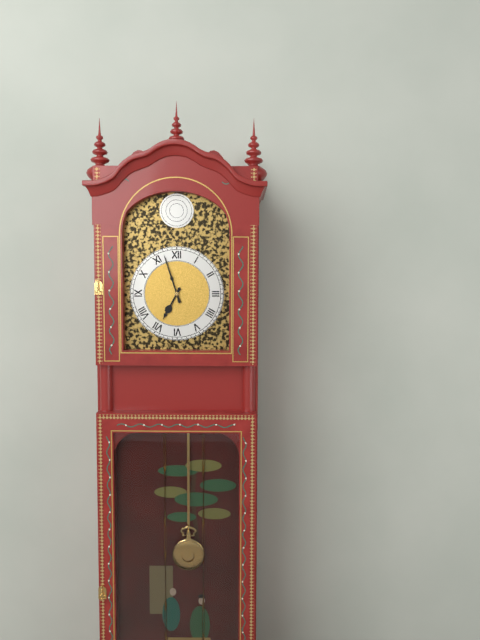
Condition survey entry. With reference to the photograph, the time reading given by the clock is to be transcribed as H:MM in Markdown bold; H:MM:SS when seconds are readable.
**6:57**
